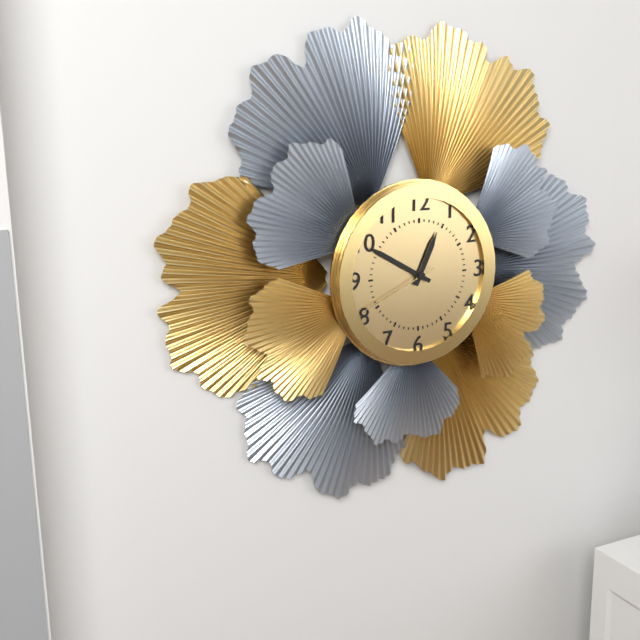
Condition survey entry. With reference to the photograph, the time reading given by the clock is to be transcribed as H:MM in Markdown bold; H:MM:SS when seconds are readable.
**12:50:41**
